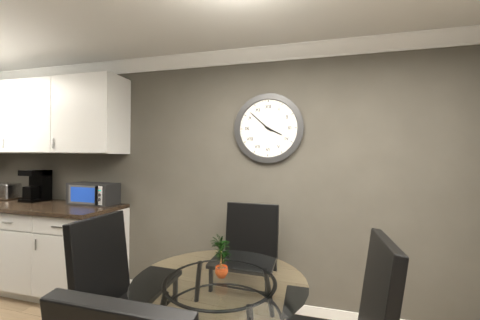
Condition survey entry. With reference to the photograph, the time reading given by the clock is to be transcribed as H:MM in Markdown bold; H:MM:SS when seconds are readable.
**3:52**
